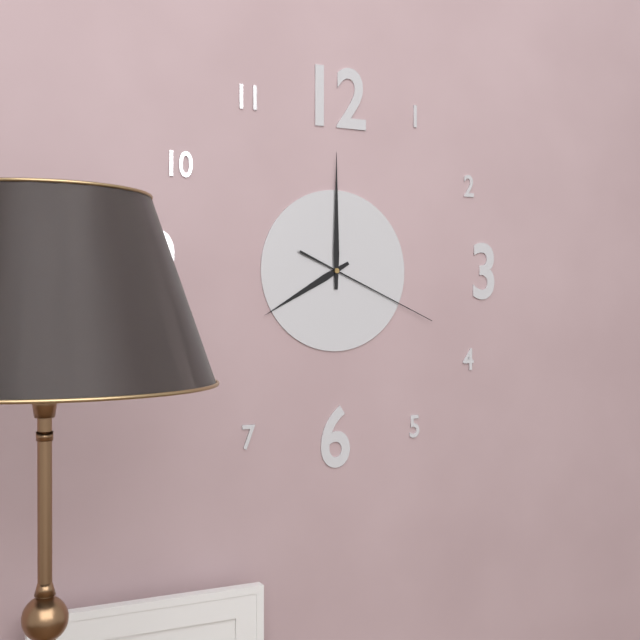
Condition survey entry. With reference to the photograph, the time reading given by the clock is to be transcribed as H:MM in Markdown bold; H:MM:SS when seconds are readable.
**8:00:19**
